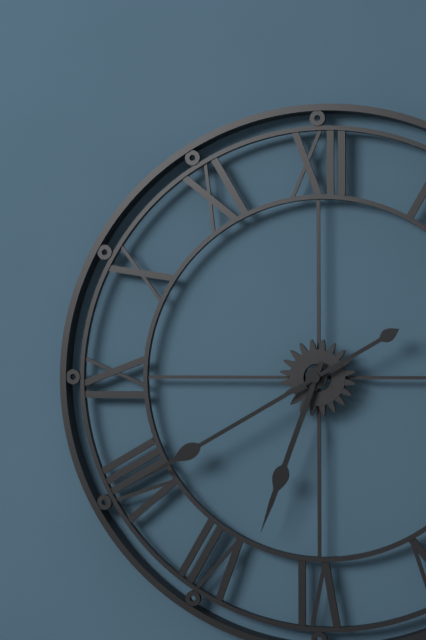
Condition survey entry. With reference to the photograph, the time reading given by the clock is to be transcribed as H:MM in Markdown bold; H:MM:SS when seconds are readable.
**6:40**
